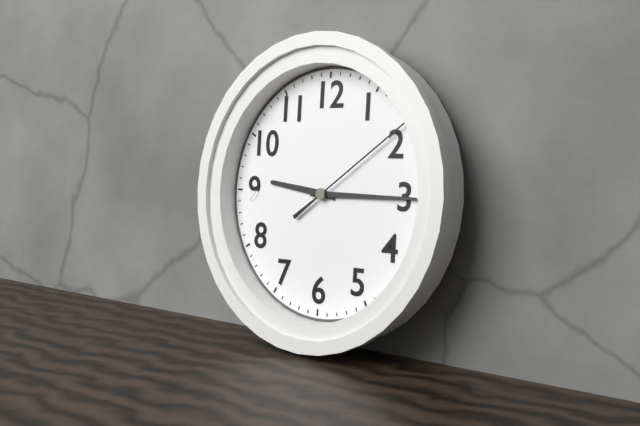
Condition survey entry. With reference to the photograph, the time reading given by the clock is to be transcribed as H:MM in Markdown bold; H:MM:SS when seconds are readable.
**9:15:09**
